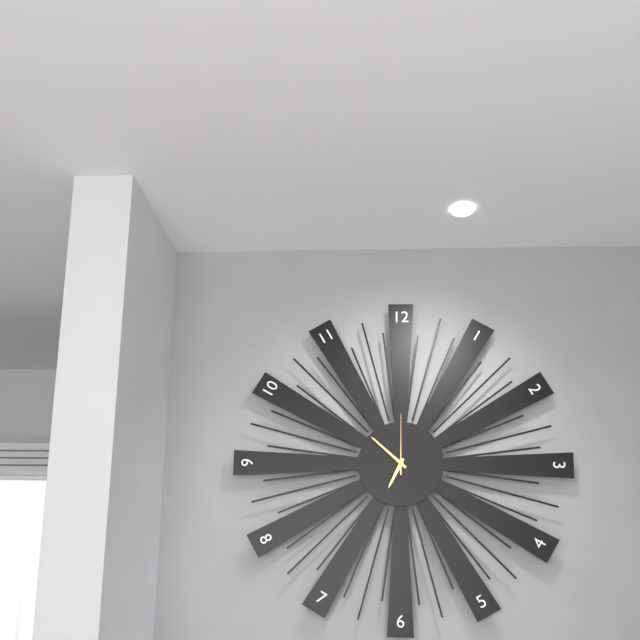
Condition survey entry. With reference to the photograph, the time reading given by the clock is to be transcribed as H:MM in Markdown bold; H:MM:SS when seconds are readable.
**6:52:00**
